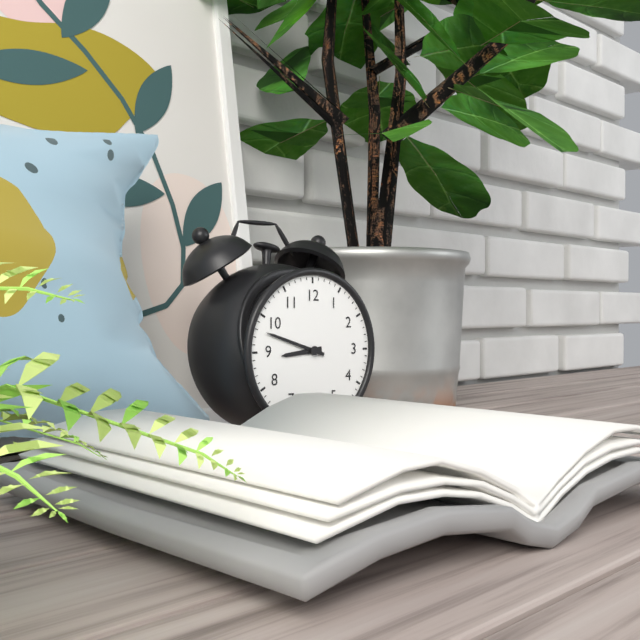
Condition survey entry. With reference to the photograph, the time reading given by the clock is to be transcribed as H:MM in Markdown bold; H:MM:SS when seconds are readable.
**8:48**
